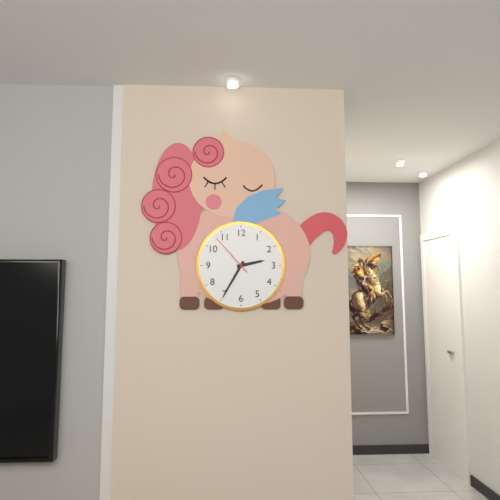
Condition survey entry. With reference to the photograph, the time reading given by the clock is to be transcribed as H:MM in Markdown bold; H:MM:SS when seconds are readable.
**2:35**
